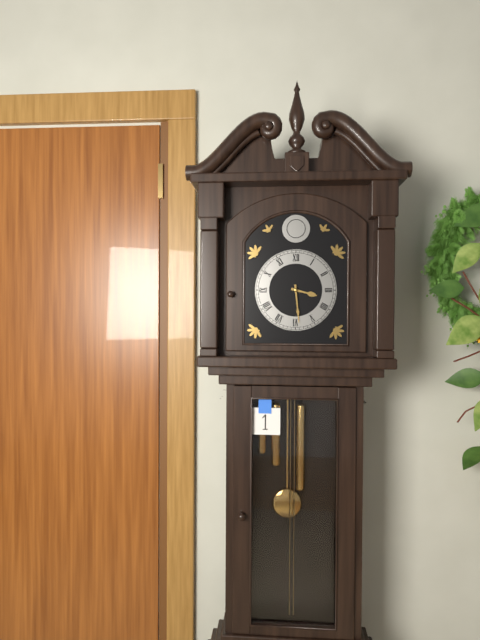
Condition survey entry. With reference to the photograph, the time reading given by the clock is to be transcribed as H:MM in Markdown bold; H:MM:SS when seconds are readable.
**3:29**
